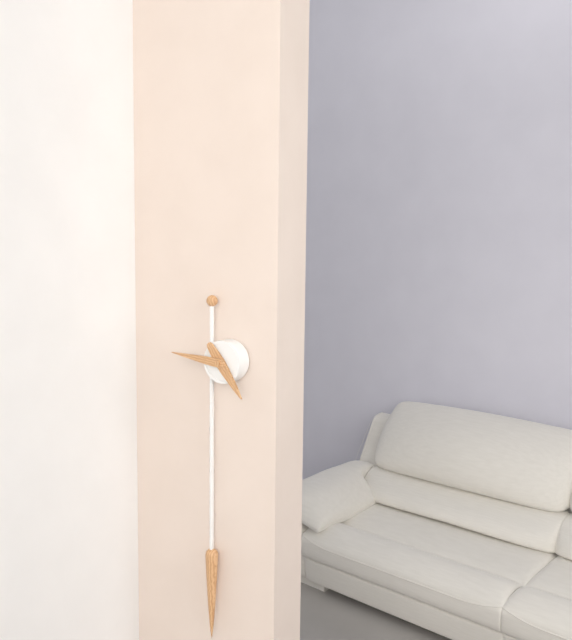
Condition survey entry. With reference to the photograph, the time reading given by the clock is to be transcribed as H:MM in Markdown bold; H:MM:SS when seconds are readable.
**4:46**
